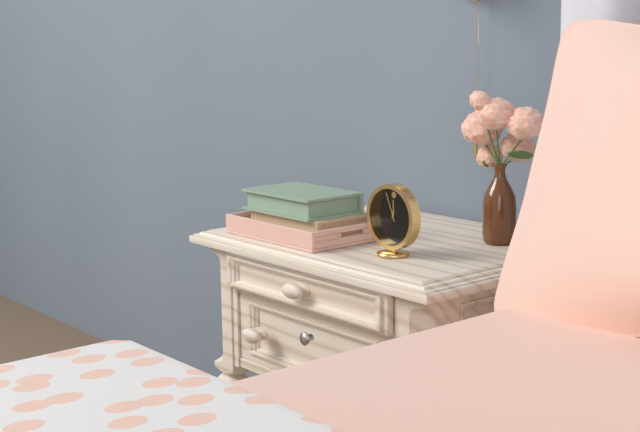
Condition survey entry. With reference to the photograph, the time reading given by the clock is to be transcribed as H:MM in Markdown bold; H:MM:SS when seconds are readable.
**11:56**
